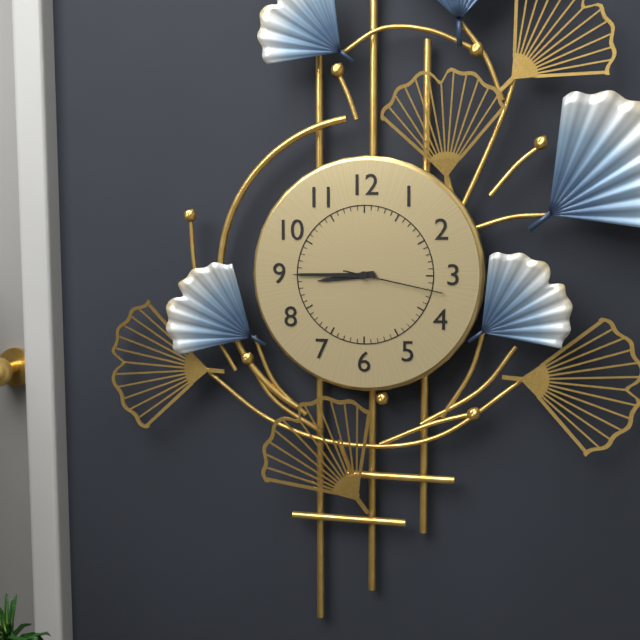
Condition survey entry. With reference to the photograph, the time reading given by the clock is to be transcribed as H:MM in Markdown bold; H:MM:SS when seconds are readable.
**8:45:17**
